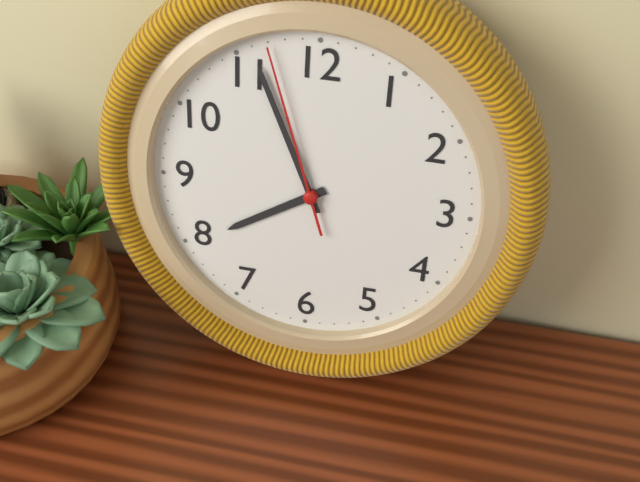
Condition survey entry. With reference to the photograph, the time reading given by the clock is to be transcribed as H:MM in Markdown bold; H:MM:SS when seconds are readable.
**7:56:57**
